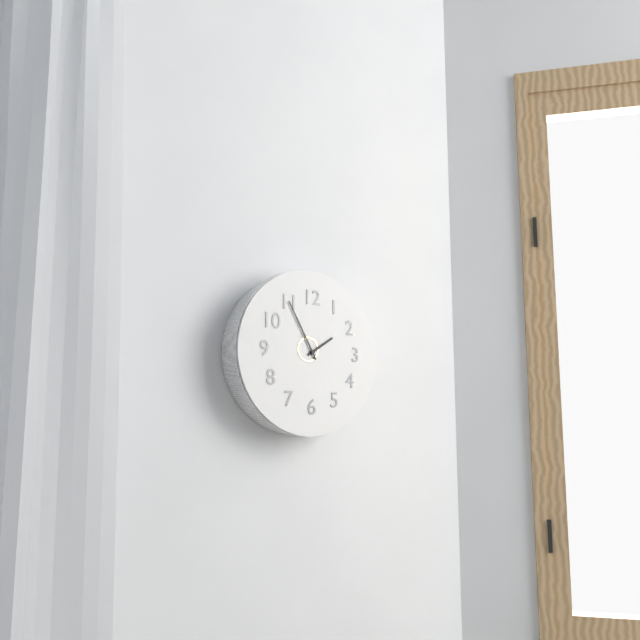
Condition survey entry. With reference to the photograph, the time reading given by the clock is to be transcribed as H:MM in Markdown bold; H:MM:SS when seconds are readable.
**1:55**
